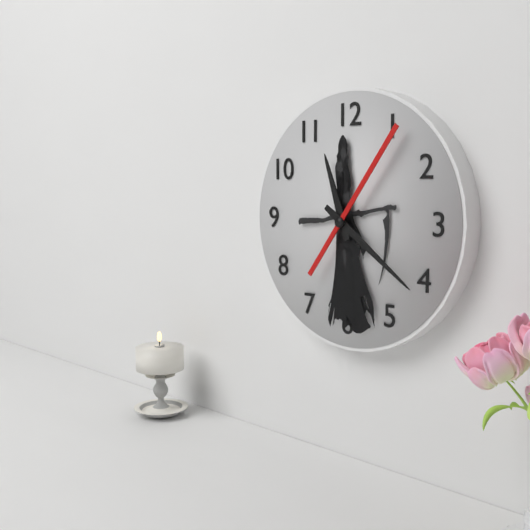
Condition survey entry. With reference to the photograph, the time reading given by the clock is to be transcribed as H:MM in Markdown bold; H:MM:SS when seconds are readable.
**11:21:06**
